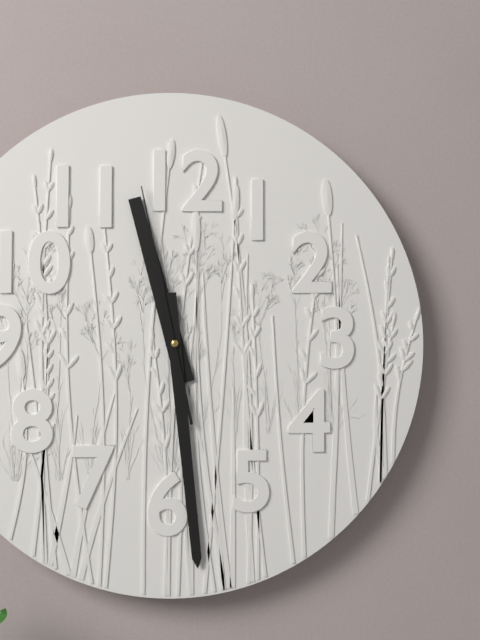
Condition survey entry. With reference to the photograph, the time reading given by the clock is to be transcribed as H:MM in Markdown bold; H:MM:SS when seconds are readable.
**11:29:58**
